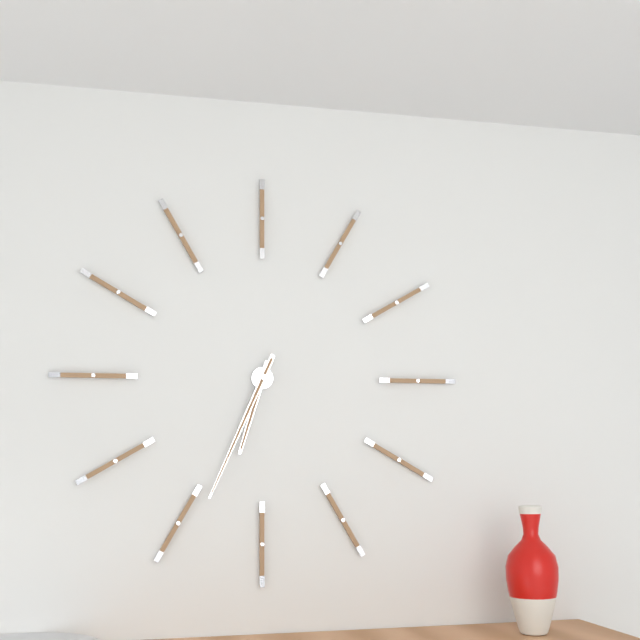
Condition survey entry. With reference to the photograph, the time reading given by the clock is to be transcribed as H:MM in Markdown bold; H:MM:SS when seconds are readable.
**6:34**
